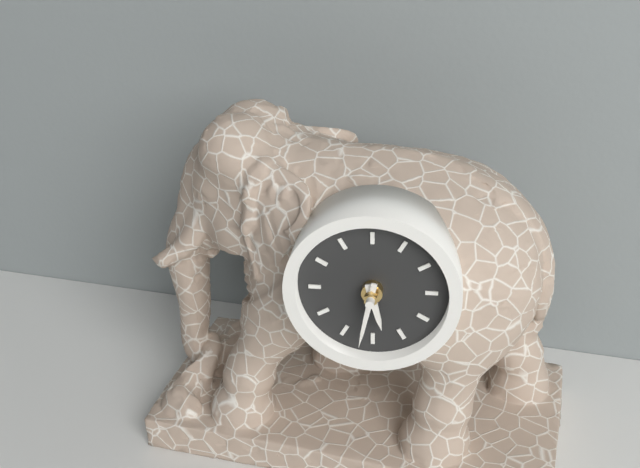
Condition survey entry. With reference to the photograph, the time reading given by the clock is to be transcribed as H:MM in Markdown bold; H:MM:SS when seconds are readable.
**5:32**
